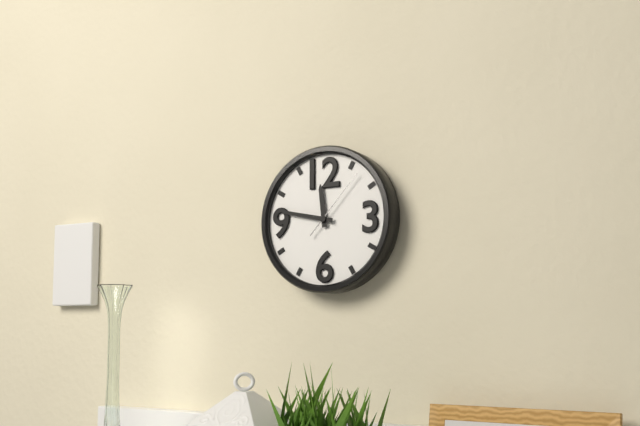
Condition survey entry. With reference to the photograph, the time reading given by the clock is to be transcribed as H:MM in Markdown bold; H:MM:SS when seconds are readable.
**11:47:07**
